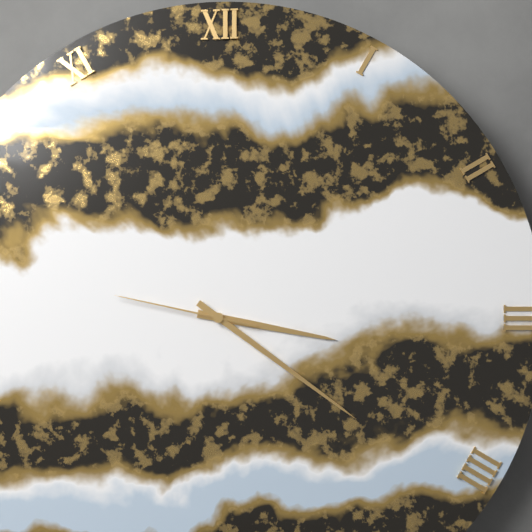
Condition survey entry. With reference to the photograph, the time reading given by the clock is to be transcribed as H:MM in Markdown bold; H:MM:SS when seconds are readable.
**3:21:47**
